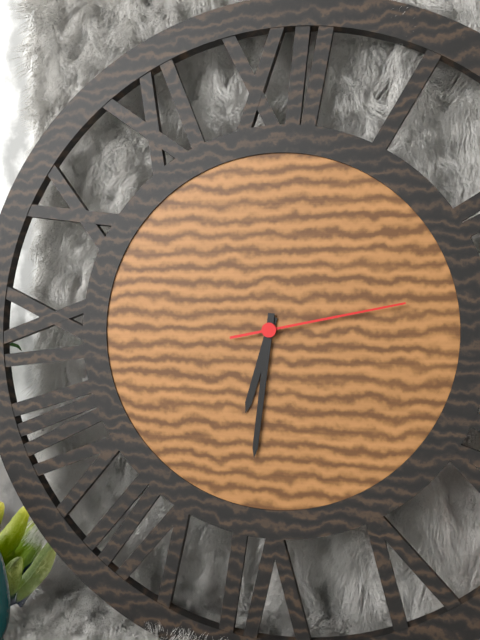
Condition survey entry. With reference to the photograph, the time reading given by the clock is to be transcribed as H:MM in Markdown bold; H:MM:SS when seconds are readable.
**6:31:13**
